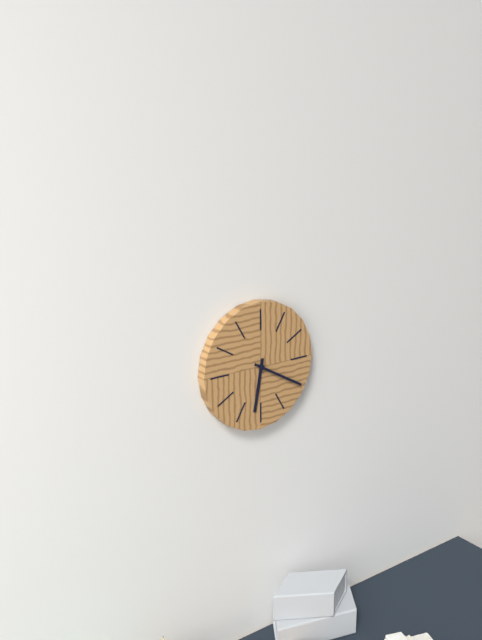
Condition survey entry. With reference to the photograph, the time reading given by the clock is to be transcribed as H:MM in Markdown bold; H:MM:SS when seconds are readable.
**6:20**
